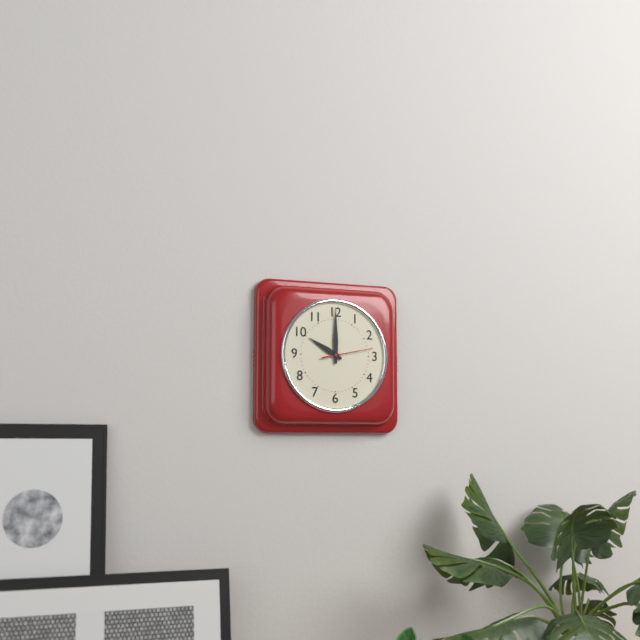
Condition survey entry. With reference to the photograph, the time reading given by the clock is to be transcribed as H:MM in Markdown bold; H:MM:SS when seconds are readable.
**10:00**
